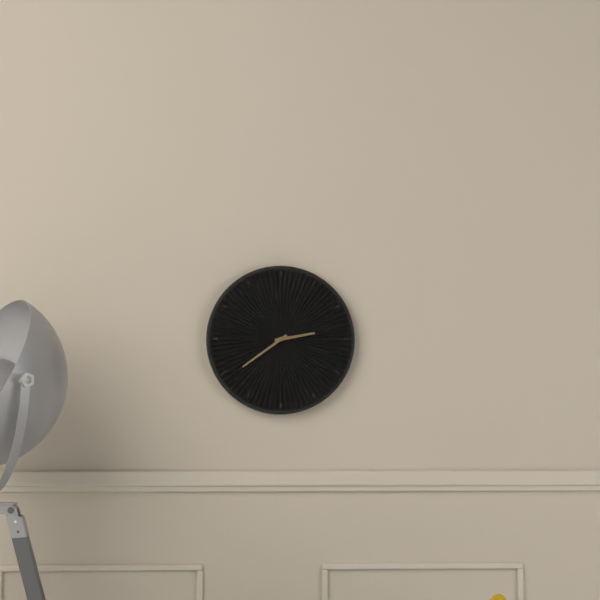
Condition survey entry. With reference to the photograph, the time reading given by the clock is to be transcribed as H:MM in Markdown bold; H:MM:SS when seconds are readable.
**2:39**
